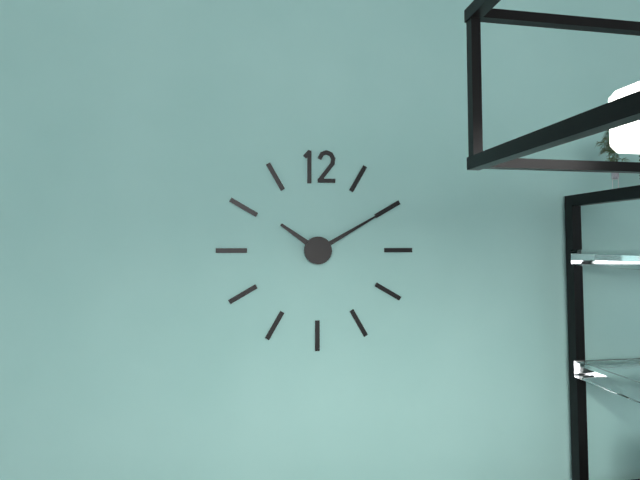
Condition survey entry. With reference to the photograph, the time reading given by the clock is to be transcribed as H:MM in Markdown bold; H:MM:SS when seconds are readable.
**10:10**
